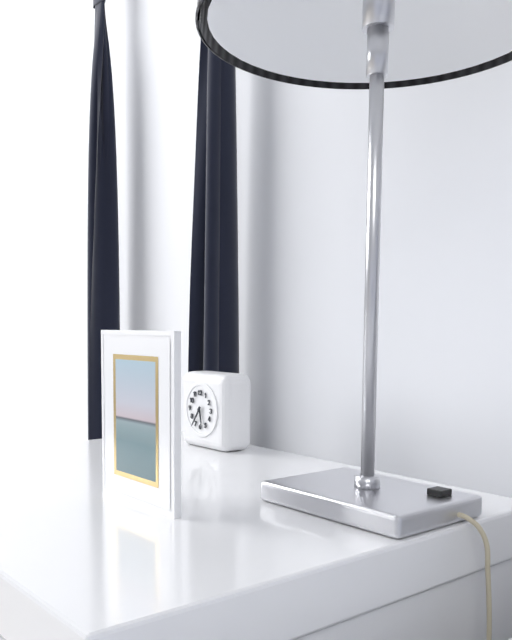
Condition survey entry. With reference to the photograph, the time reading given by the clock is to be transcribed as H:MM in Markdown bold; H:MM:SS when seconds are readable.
**5:36**
